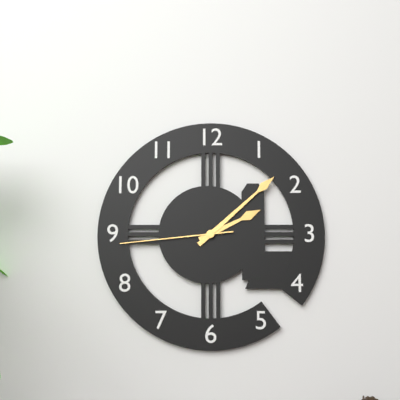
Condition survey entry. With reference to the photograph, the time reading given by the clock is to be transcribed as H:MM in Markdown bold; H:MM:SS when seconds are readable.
**2:08:44**
